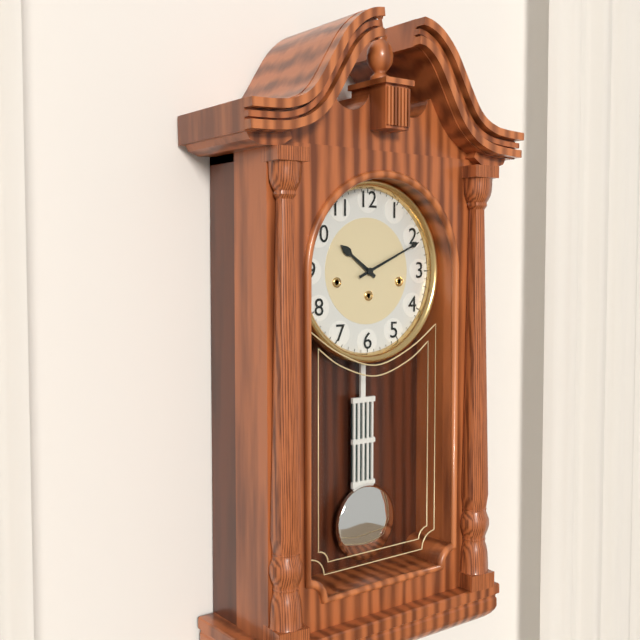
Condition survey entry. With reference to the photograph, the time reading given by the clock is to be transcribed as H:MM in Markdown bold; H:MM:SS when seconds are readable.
**10:11**
